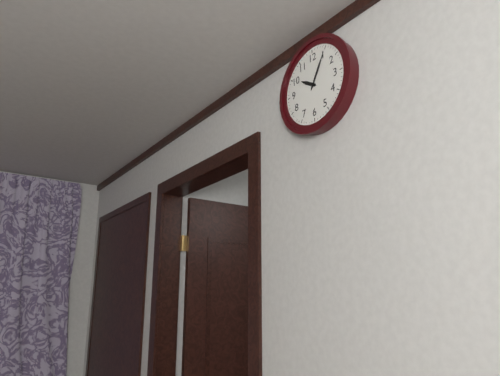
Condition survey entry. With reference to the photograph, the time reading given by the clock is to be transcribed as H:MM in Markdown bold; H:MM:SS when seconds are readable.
**10:05**
